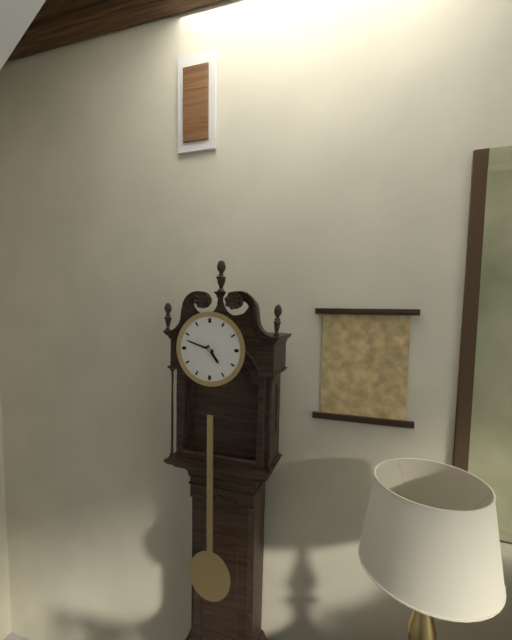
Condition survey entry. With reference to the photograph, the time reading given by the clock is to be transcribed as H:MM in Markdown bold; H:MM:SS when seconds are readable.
**4:48**
